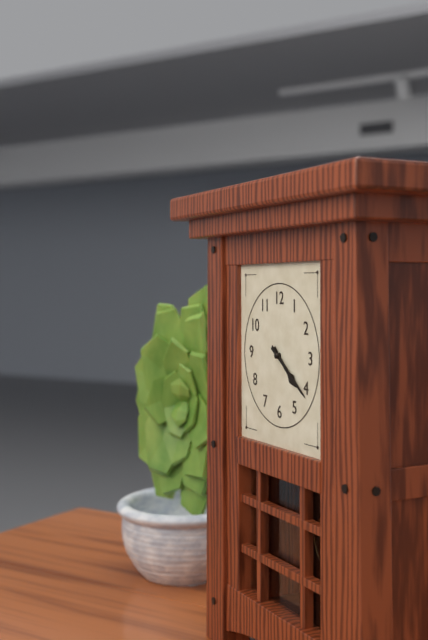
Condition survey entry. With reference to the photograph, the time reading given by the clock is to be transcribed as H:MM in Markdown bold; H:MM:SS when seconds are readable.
**4:21**
